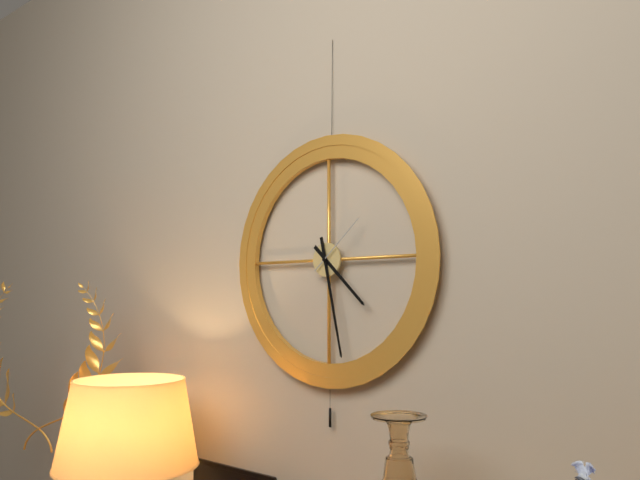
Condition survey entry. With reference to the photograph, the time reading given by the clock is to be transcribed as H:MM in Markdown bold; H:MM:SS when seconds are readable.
**4:28:08**
